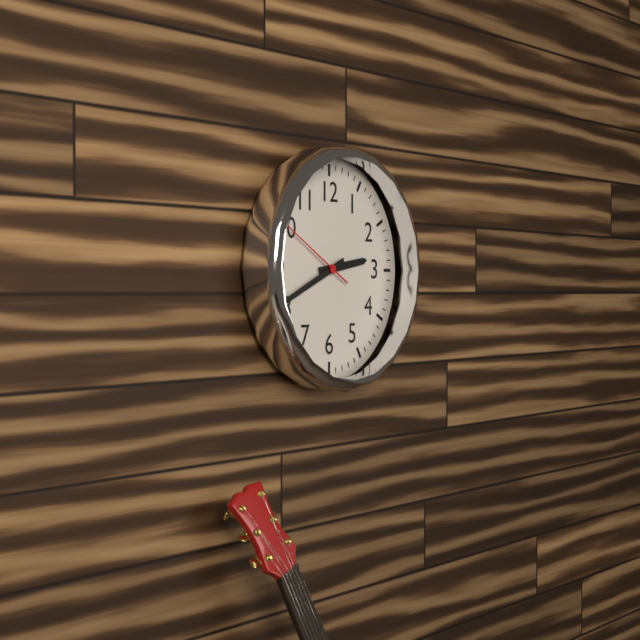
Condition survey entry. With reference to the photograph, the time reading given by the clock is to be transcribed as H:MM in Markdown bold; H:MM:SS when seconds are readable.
**2:41:50**
